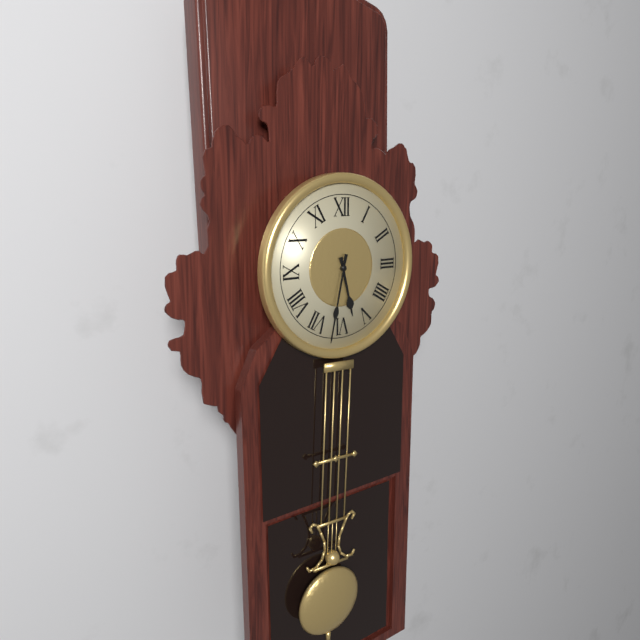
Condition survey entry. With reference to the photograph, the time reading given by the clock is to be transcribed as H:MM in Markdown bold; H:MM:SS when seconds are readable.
**5:32**
